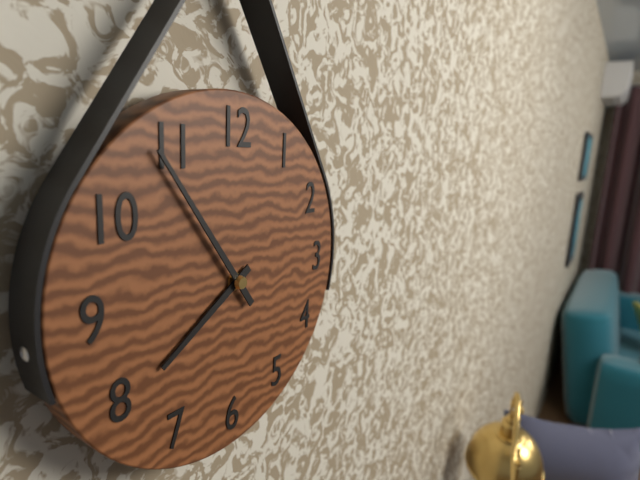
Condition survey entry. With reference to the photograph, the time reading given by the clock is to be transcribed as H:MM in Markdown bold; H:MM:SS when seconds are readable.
**7:54**
